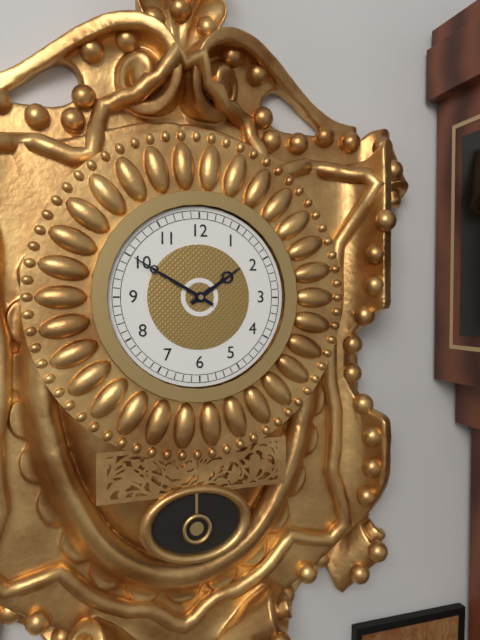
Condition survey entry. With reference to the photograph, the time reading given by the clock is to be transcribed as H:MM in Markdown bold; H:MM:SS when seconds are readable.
**1:50**
